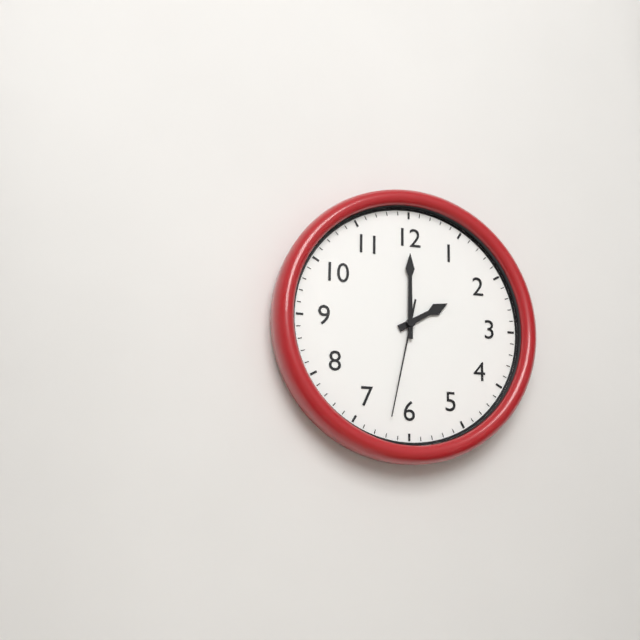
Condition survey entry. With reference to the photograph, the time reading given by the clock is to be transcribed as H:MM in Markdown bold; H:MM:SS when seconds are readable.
**2:00:32**
